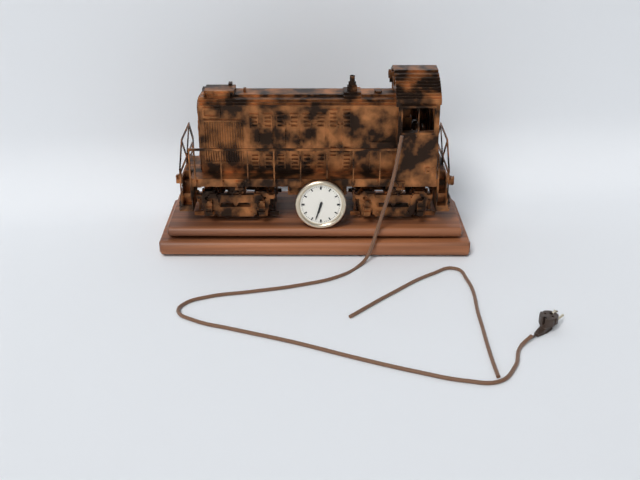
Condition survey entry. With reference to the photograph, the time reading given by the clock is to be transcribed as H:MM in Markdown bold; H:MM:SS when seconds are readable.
**6:33**
